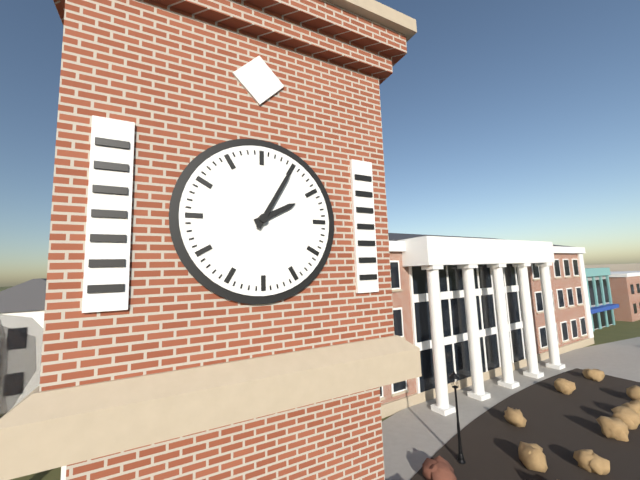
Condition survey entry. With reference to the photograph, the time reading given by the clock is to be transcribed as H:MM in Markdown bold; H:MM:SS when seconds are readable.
**2:05**
